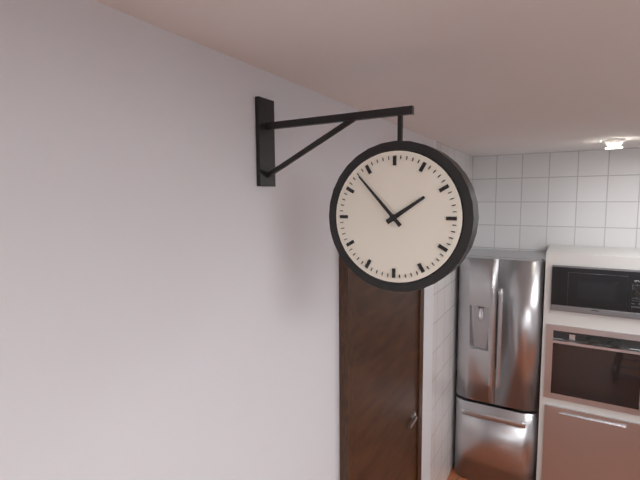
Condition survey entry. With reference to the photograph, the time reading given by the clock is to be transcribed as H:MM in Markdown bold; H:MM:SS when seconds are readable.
**1:53**
